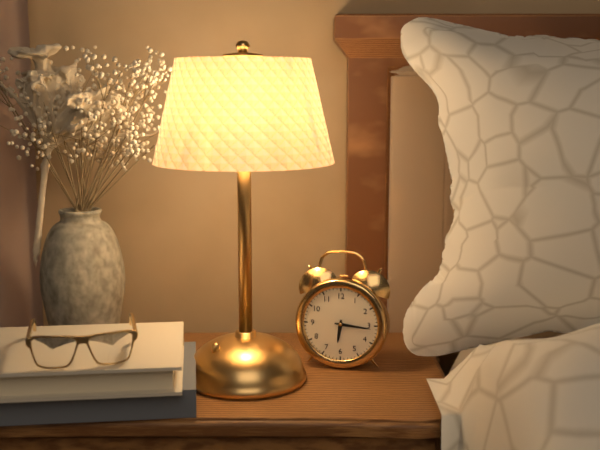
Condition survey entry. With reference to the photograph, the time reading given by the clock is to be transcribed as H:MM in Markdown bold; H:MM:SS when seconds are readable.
**6:16**
